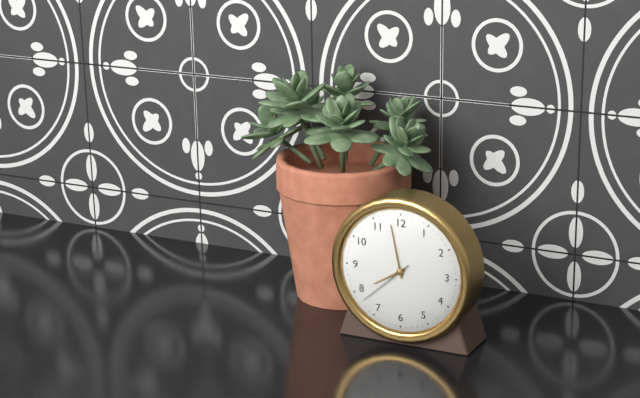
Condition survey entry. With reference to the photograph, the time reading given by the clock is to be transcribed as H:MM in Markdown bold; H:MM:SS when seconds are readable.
**7:58:38**
